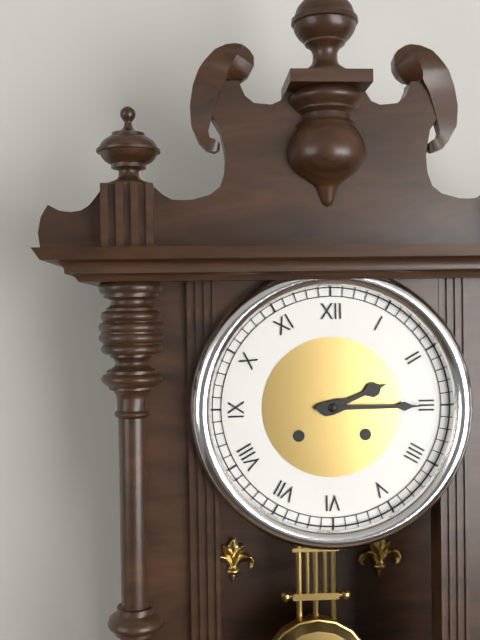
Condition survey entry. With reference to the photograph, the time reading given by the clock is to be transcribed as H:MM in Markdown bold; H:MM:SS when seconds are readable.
**2:15**
